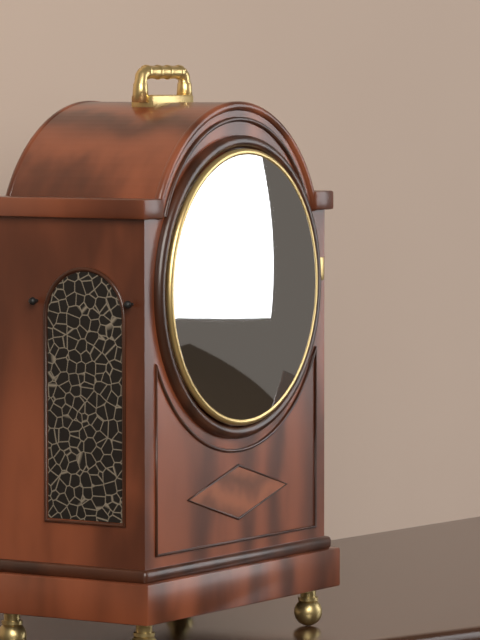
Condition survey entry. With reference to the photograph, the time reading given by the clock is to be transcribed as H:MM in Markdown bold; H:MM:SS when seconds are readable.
**1:18**
